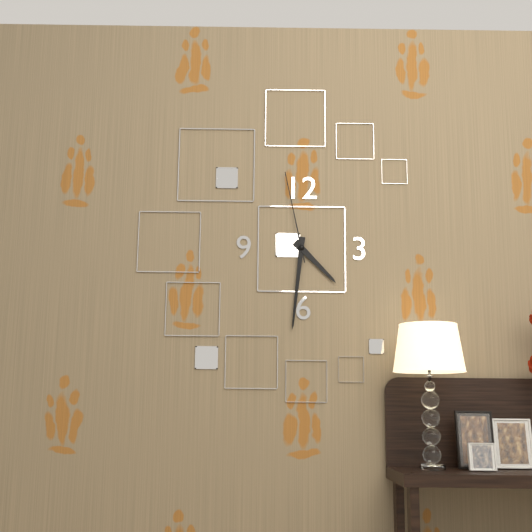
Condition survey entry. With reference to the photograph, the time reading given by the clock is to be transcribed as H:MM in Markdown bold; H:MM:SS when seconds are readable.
**4:31:58**
